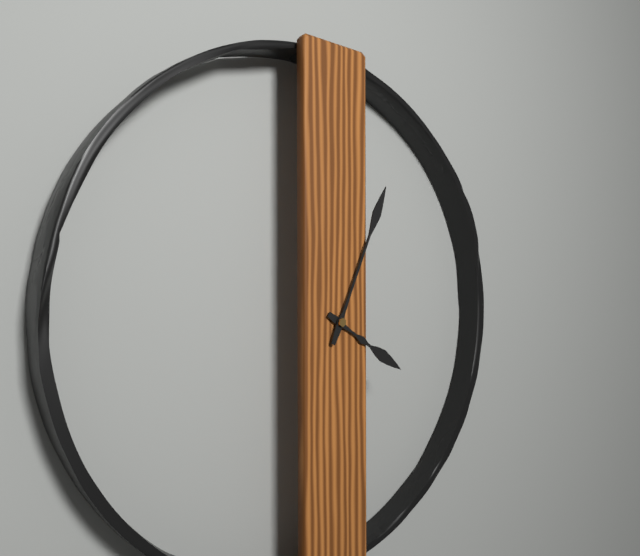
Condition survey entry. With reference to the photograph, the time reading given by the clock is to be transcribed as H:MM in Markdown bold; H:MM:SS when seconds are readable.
**4:04**
